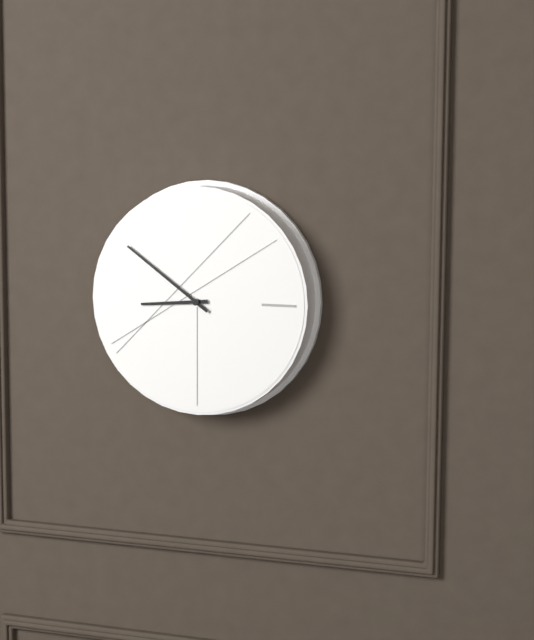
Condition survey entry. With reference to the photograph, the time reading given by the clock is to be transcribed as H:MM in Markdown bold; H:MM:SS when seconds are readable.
**8:51**
